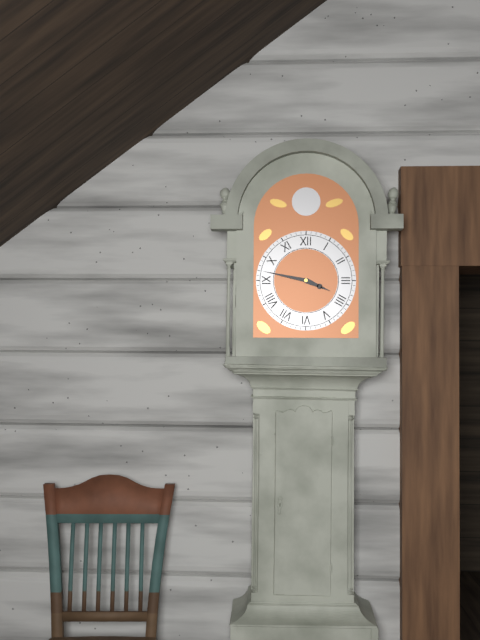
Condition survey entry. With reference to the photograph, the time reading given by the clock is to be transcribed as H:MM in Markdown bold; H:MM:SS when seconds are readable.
**3:47**
